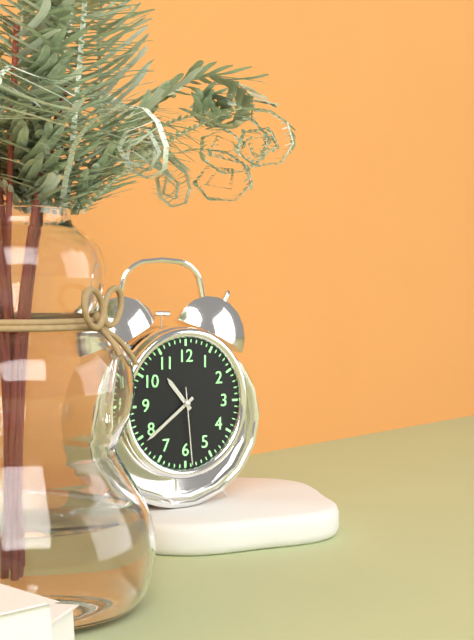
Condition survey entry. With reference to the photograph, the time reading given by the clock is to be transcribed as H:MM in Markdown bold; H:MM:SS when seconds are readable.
**10:39:29**
